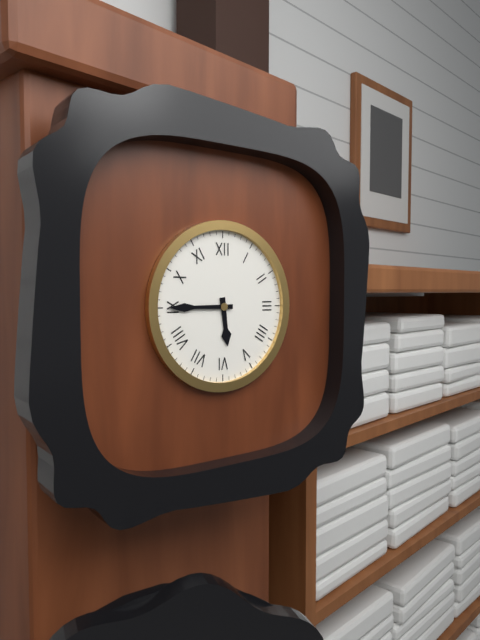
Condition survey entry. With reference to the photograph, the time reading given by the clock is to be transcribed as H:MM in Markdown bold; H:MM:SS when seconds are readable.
**5:45**
